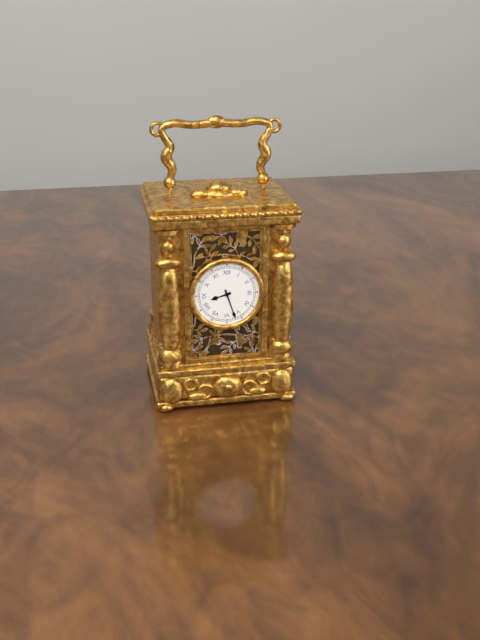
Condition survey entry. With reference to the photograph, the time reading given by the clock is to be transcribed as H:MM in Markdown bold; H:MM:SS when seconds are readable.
**8:27**
